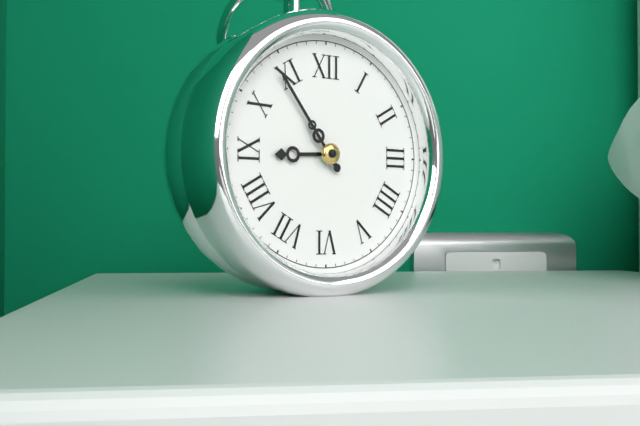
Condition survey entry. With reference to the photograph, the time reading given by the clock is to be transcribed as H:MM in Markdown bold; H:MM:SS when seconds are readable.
**8:54**
